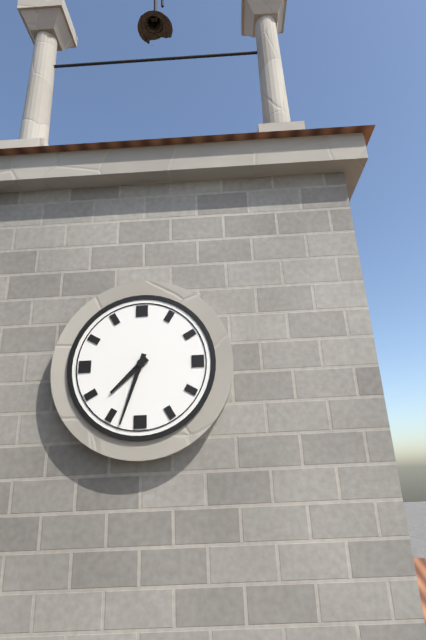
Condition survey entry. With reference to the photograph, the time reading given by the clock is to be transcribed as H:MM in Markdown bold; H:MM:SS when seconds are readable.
**7:33**
